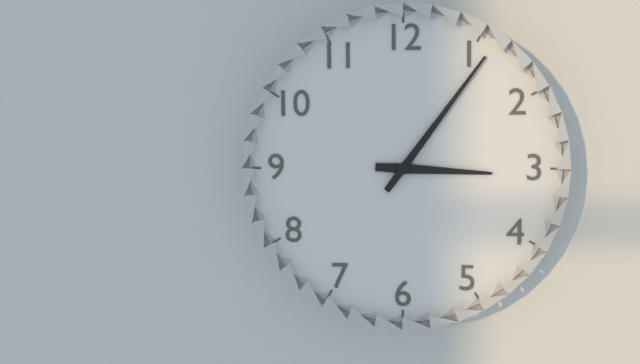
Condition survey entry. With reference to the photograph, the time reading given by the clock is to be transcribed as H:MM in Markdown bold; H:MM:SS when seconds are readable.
**3:06**
